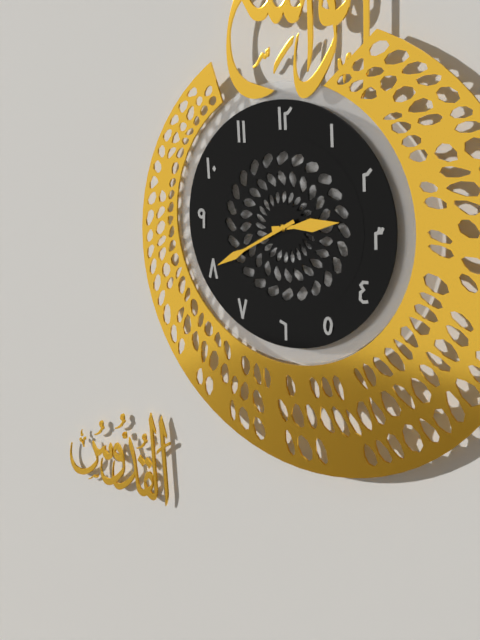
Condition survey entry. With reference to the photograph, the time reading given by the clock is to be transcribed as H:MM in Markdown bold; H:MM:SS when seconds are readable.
**2:40**
